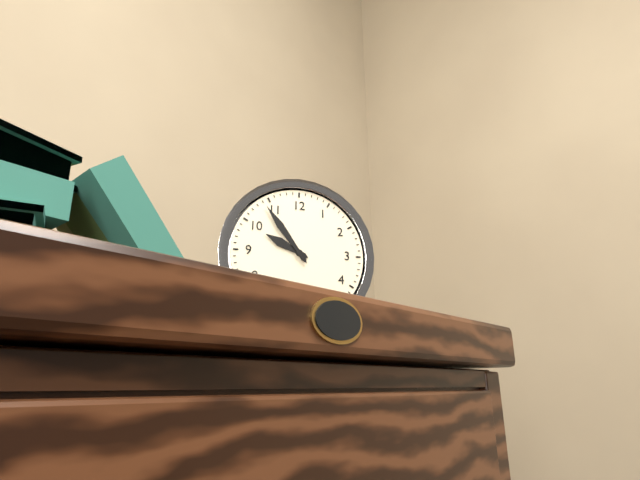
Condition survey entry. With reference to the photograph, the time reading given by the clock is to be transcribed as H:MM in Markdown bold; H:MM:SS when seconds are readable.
**9:54**
